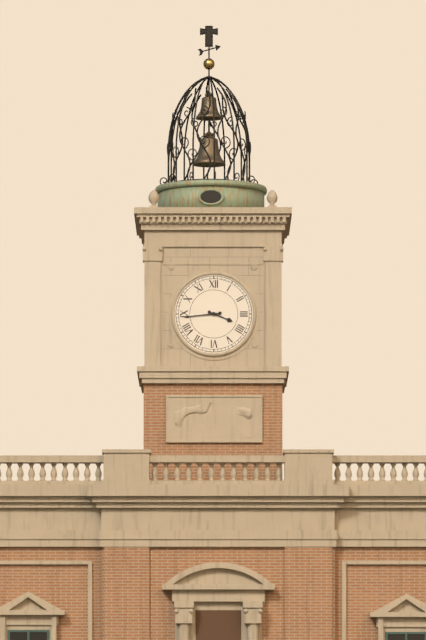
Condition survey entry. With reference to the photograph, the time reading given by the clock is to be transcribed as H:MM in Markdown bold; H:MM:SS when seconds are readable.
**3:44**
